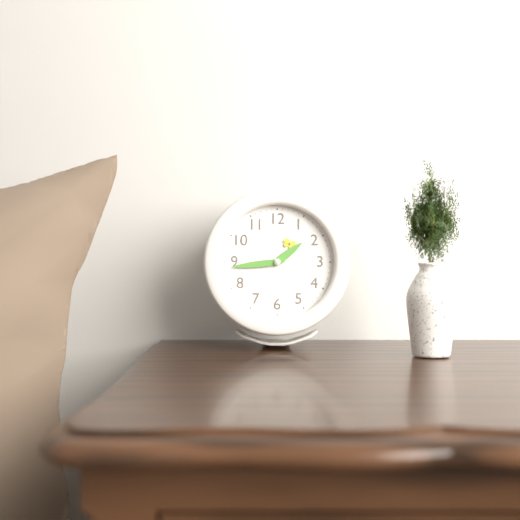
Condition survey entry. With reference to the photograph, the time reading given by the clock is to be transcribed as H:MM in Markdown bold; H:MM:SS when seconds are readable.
**1:44**
